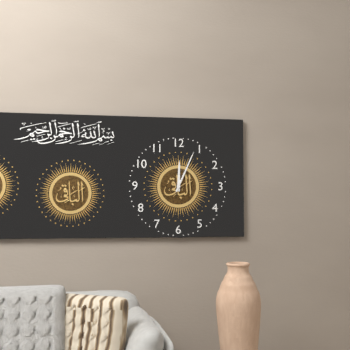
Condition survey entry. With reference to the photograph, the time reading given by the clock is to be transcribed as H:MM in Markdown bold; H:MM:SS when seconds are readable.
**12:04**
